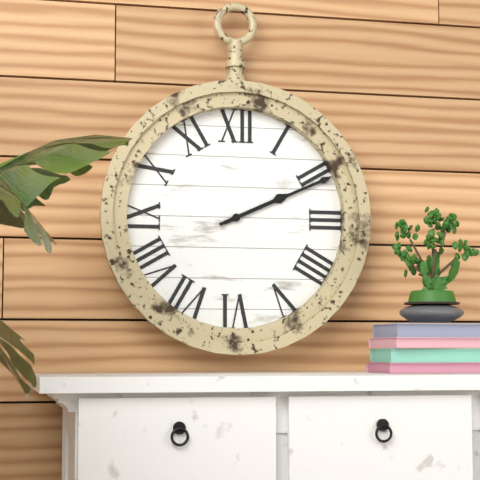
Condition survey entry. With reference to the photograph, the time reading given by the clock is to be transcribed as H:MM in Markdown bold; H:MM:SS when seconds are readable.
**2:11**
